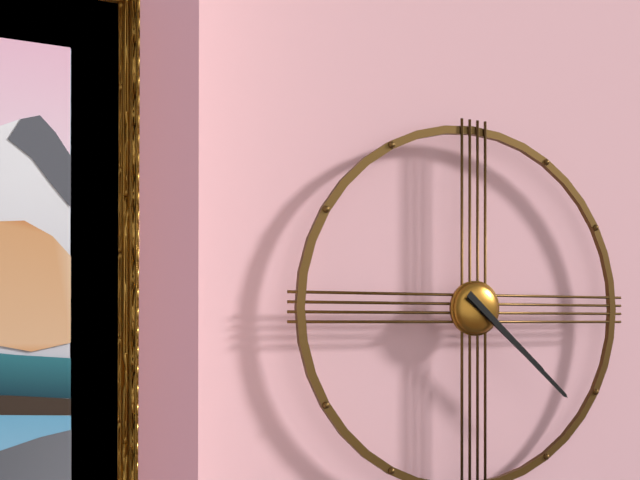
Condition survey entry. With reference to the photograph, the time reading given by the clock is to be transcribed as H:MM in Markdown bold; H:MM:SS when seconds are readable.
**4:22**
